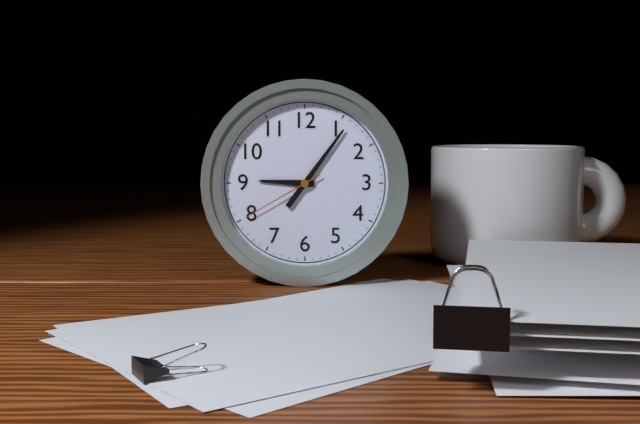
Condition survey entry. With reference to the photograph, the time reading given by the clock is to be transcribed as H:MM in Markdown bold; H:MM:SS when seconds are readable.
**9:06:40**
